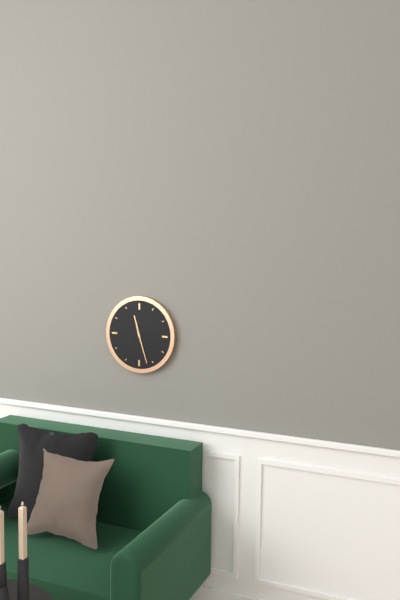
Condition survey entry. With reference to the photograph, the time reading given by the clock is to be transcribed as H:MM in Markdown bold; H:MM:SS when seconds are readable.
**11:27**
